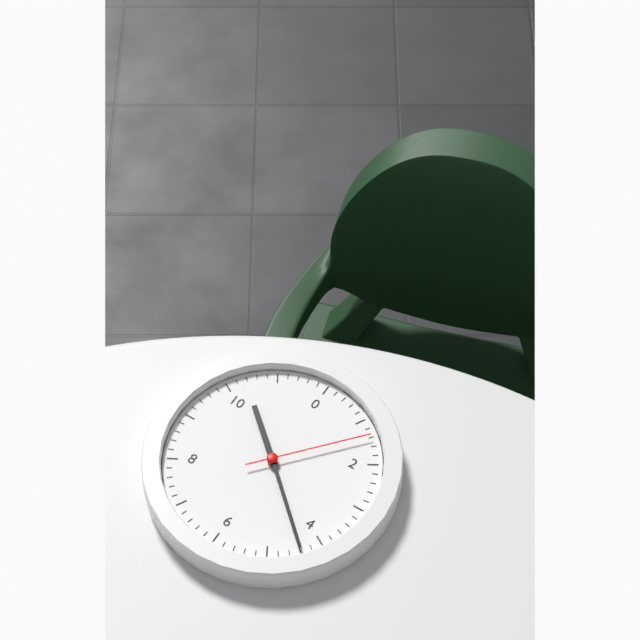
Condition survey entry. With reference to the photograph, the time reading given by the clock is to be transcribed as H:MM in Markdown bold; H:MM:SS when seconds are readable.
**10:22:07**
